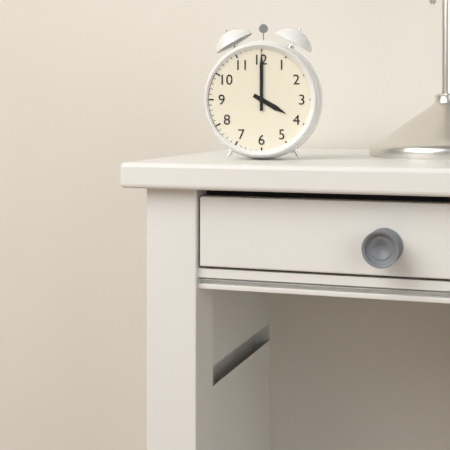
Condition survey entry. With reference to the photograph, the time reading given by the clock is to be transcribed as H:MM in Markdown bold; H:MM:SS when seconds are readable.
**4:00**
